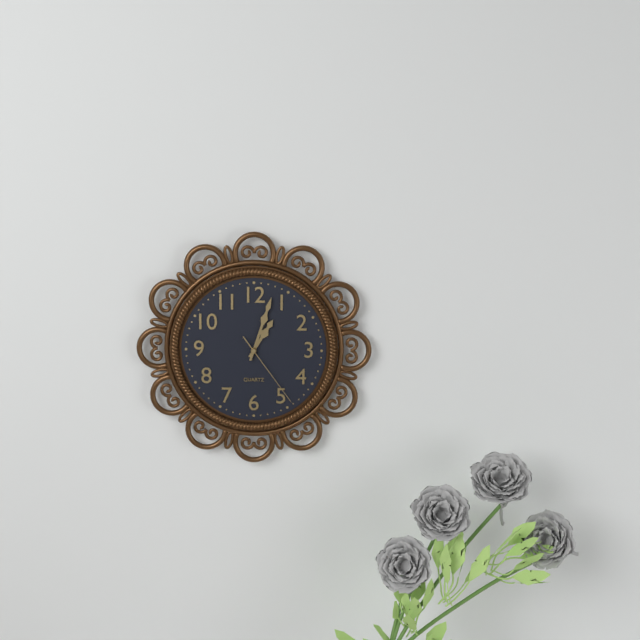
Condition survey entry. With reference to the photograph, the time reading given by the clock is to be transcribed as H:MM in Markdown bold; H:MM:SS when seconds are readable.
**1:03:24**
